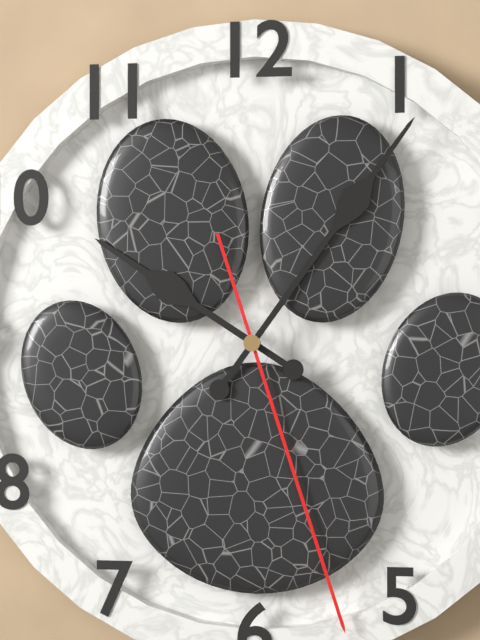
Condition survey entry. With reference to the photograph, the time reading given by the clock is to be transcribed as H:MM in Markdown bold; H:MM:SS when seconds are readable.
**10:06:27**
